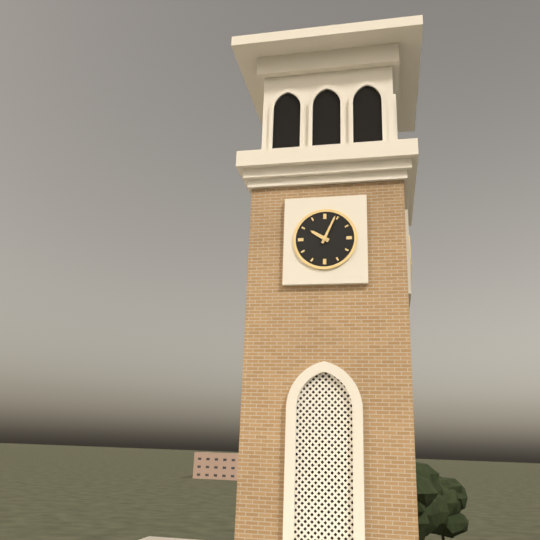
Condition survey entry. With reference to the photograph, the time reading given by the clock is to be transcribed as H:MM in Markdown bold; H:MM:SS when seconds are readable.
**10:04**
